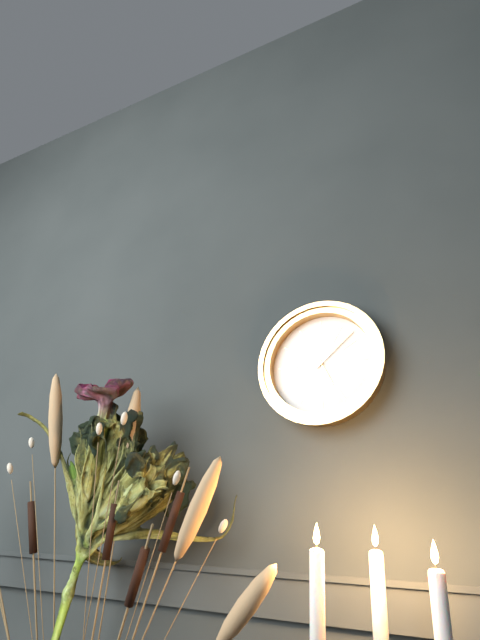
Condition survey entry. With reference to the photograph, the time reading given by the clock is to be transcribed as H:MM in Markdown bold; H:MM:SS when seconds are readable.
**5:08**
